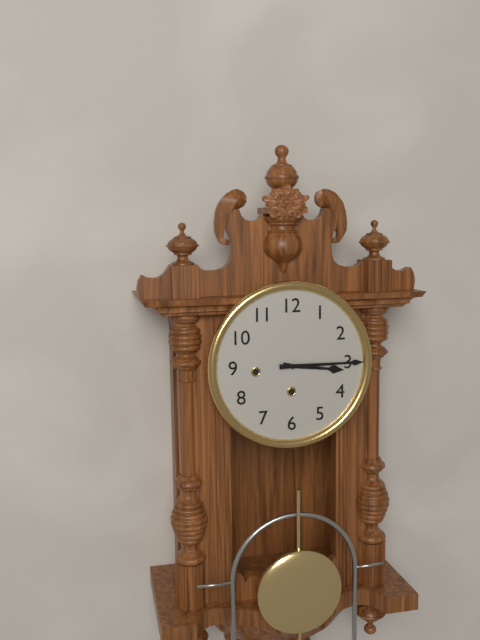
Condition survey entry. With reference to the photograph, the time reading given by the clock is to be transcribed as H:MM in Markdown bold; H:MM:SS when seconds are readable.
**3:15**
